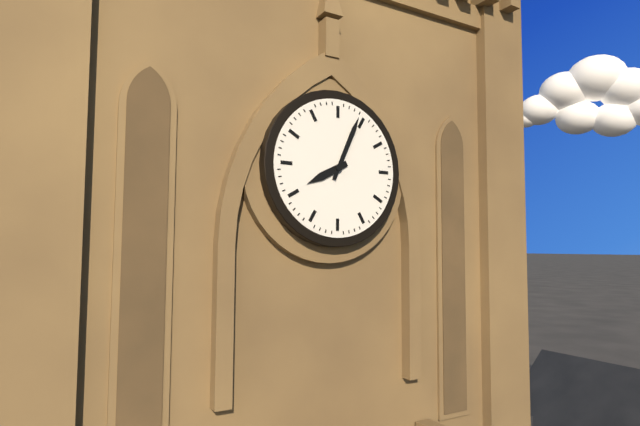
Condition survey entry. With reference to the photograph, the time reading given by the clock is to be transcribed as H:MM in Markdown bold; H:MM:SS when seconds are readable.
**8:04**
